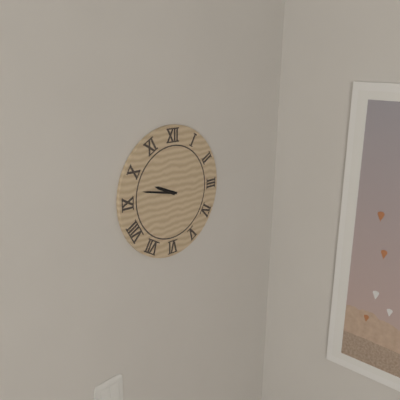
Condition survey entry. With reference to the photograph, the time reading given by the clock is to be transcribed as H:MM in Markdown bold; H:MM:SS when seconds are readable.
**9:47**
